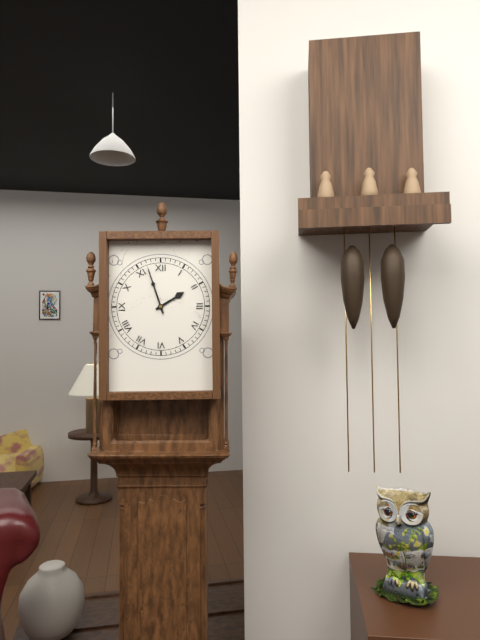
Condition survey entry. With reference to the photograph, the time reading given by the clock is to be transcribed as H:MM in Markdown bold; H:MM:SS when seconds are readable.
**1:57**
